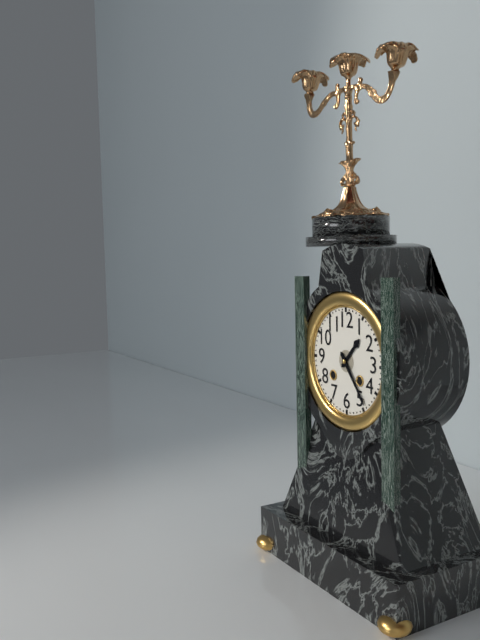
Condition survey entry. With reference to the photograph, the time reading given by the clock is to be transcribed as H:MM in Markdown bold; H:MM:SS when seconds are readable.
**1:24**
